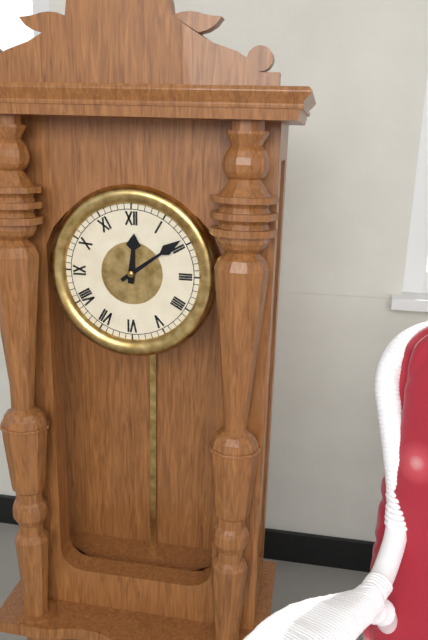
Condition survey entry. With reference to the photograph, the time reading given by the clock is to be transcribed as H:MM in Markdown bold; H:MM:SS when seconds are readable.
**12:09**
